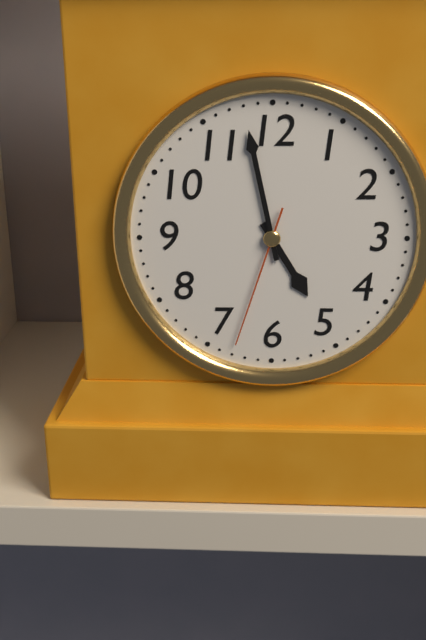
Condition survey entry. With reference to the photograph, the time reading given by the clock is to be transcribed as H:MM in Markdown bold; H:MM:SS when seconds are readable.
**4:58:33**
